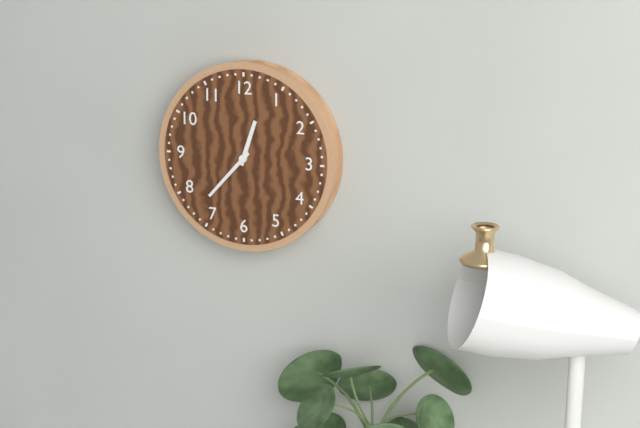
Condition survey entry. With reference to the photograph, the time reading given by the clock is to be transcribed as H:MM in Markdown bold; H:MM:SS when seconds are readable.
**12:37**
